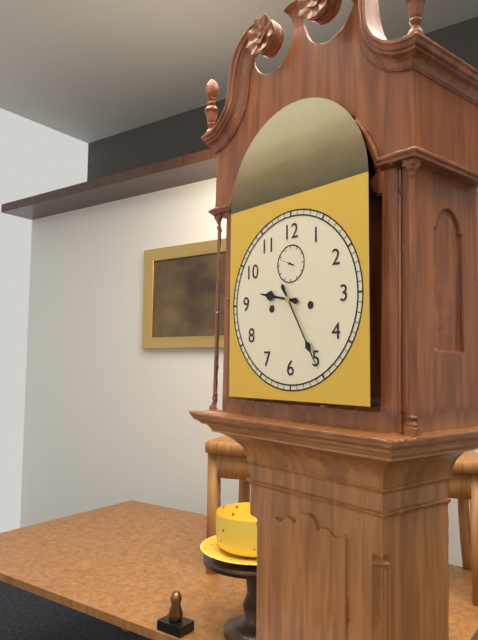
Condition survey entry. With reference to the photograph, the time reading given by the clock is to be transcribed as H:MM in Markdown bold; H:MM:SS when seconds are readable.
**9:25**
